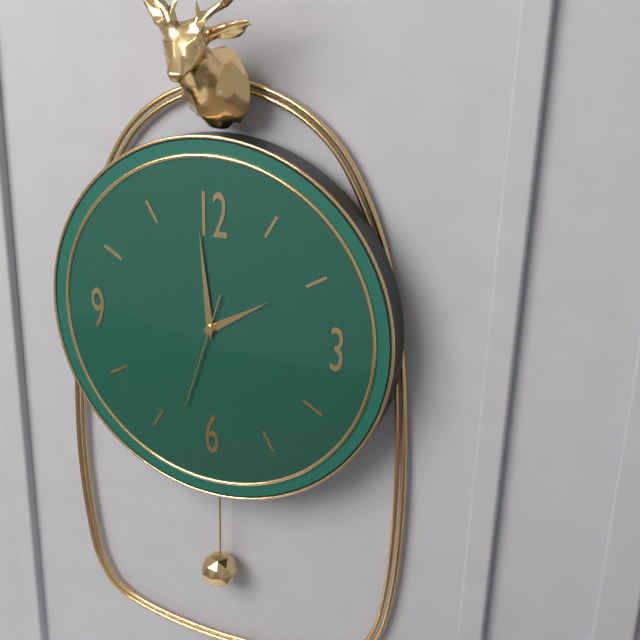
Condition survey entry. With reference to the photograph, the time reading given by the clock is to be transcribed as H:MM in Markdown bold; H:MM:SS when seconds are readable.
**1:59:33**
